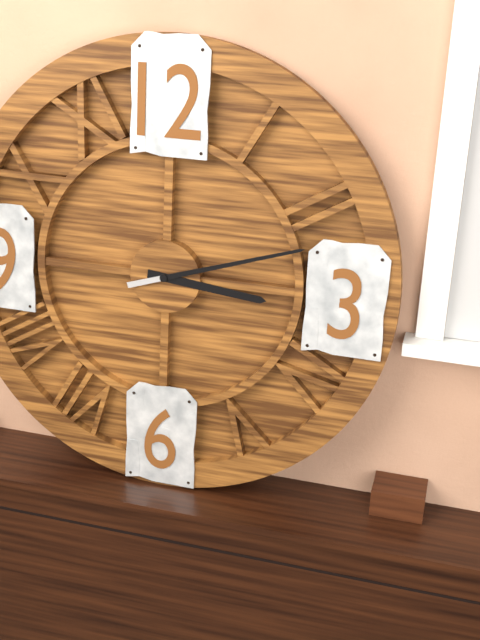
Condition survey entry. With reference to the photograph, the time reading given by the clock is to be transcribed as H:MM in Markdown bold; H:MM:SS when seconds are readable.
**3:12**
